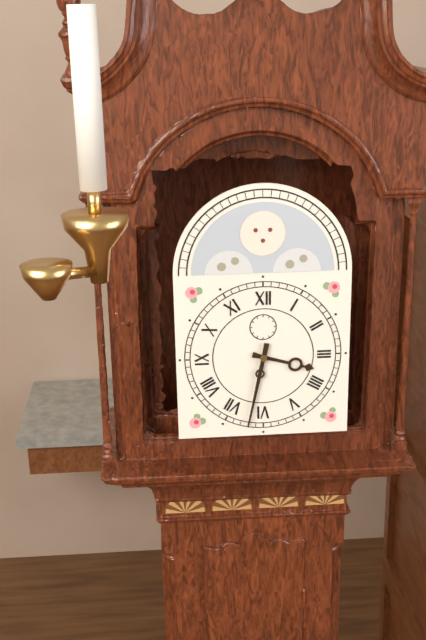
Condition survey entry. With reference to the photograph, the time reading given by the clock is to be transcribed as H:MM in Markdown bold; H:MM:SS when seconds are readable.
**3:32**
